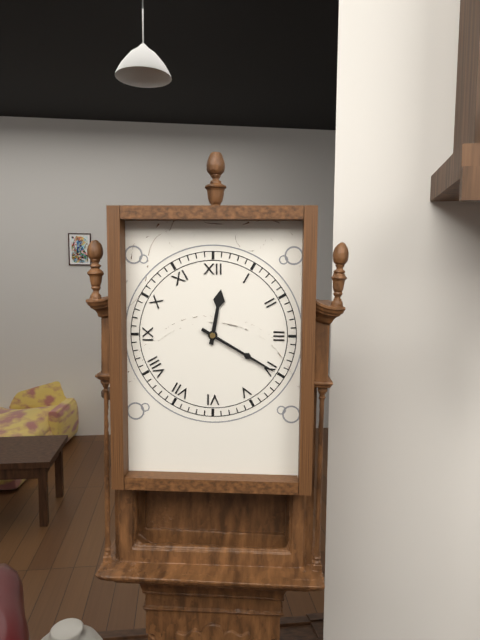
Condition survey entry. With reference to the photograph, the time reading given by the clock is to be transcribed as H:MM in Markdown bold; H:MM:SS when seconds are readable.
**12:20**
